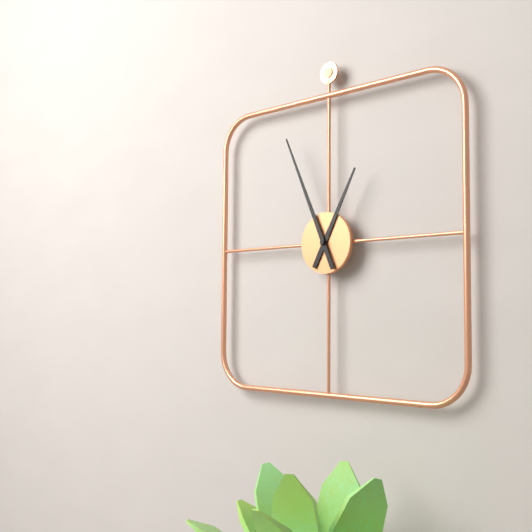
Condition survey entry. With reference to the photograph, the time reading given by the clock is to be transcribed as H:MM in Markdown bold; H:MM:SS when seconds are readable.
**12:56**
